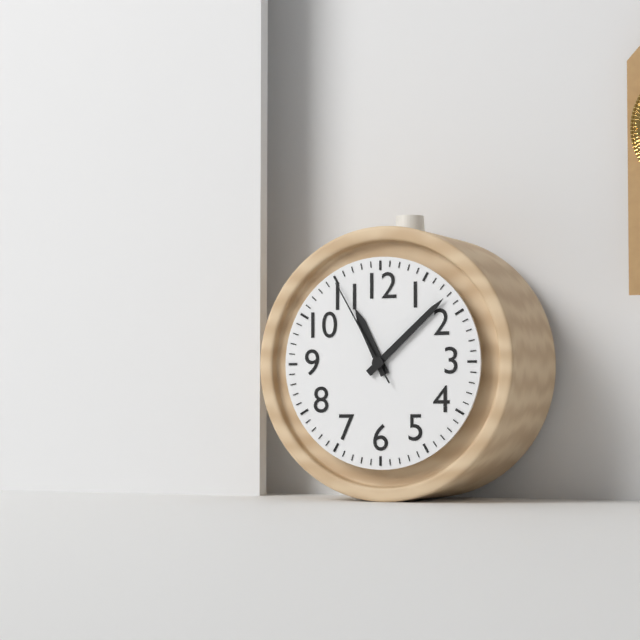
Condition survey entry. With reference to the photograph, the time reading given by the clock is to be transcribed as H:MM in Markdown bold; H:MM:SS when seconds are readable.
**11:08:55**
